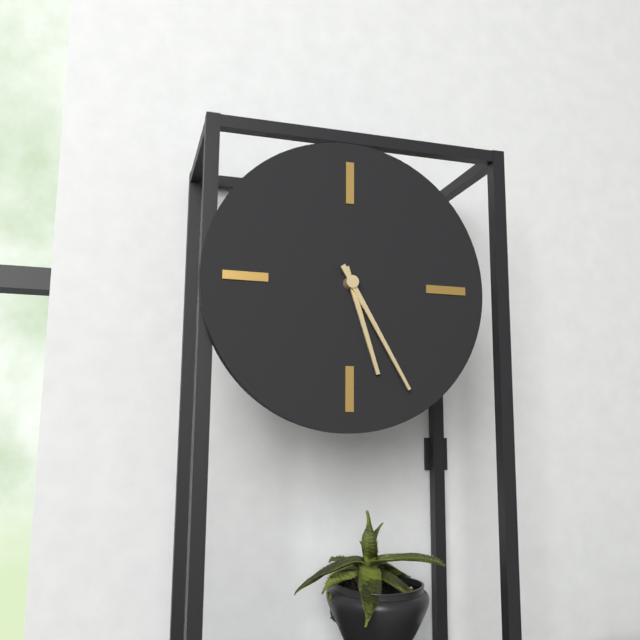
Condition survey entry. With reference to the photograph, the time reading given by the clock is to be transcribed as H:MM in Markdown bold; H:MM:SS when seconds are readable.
**5:25**
